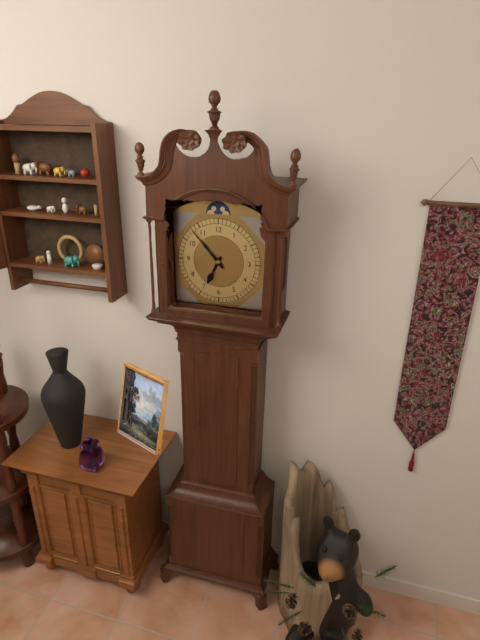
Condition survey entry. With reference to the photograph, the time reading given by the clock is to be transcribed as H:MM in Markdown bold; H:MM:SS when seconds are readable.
**6:53**
